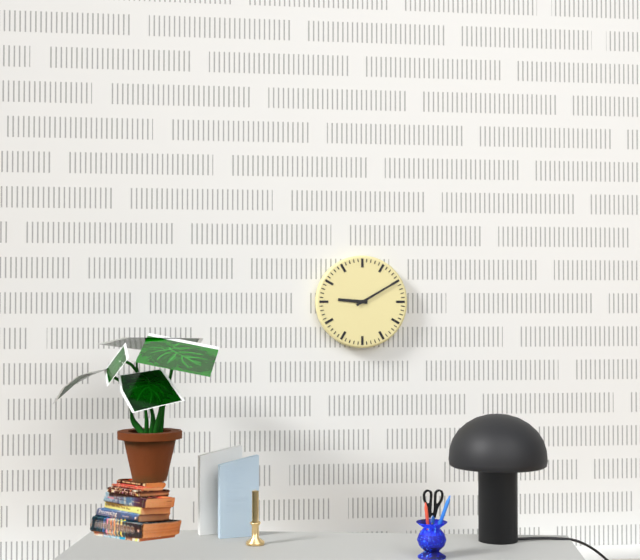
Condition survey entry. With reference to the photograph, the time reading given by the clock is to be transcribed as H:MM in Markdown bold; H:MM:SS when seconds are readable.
**9:10**
